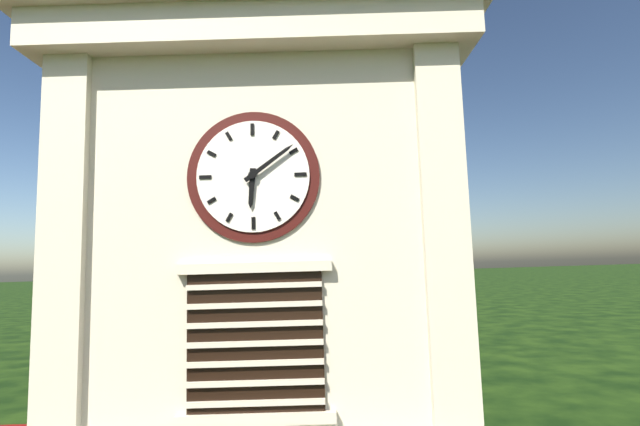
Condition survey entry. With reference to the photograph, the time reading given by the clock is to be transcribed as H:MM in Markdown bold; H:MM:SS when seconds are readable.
**6:09**
